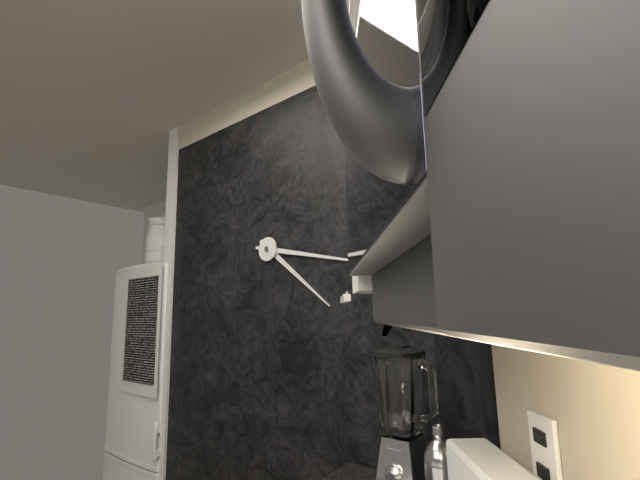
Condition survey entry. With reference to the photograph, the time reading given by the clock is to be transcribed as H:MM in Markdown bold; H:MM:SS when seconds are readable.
**4:17**
